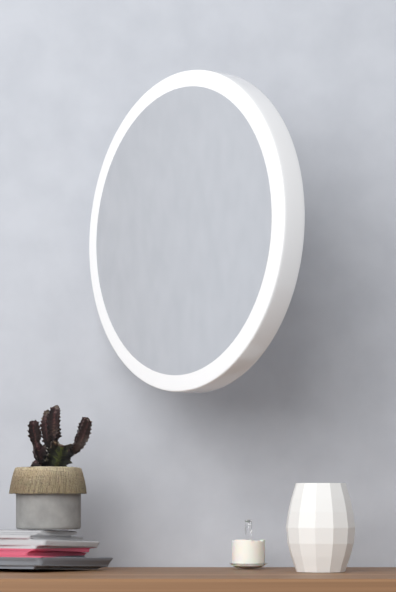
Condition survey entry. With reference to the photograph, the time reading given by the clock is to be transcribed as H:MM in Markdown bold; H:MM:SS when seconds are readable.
**7:27**
